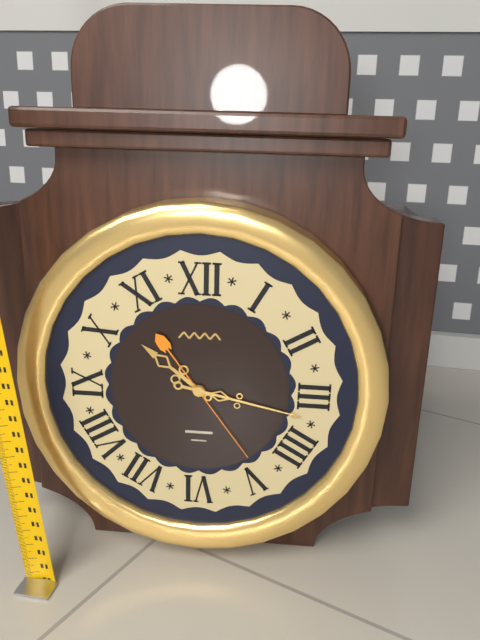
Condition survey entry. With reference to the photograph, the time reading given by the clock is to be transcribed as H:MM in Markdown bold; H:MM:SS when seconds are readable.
**10:17:24**
